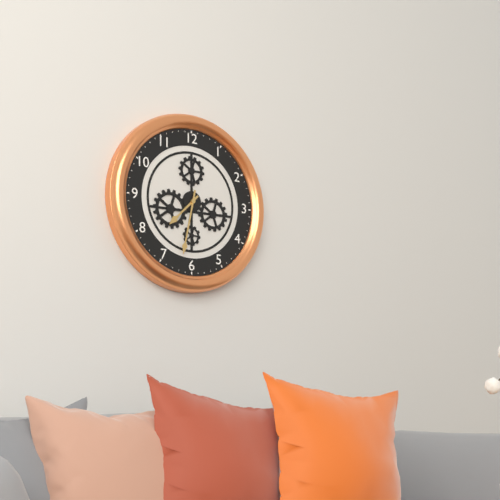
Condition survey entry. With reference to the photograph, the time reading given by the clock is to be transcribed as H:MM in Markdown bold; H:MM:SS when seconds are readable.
**7:32**
